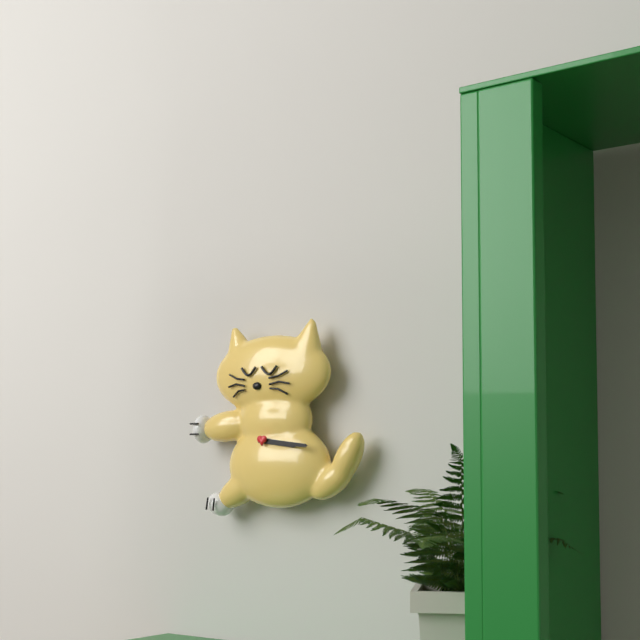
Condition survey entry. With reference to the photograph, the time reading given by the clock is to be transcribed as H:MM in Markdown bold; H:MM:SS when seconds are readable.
**3:16**
